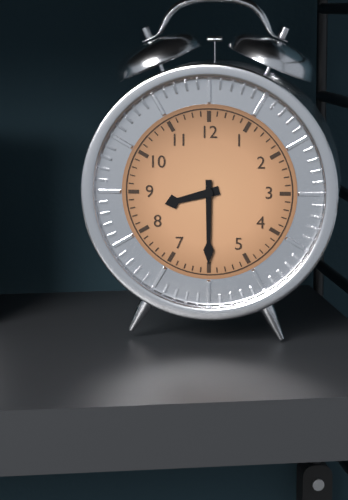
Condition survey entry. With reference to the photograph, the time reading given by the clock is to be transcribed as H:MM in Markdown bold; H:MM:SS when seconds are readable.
**8:30**
